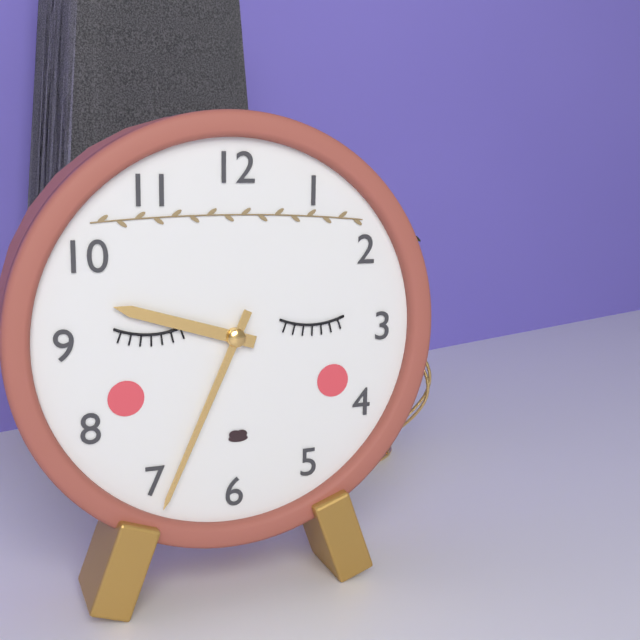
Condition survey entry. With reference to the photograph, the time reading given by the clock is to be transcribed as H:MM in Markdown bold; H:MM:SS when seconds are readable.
**9:34**
